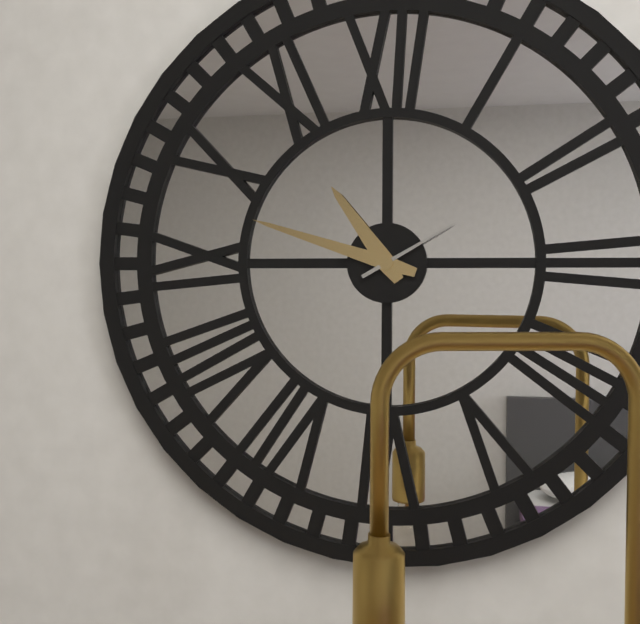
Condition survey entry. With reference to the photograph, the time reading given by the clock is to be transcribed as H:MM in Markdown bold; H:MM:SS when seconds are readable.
**10:48:10**
